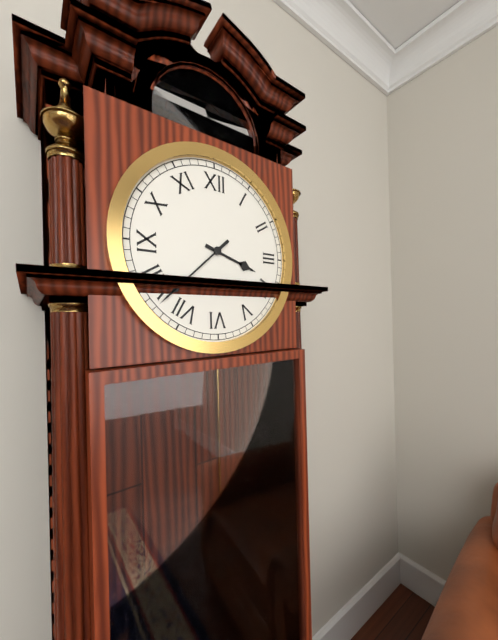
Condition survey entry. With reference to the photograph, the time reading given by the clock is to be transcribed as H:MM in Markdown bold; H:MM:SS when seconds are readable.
**3:38**
